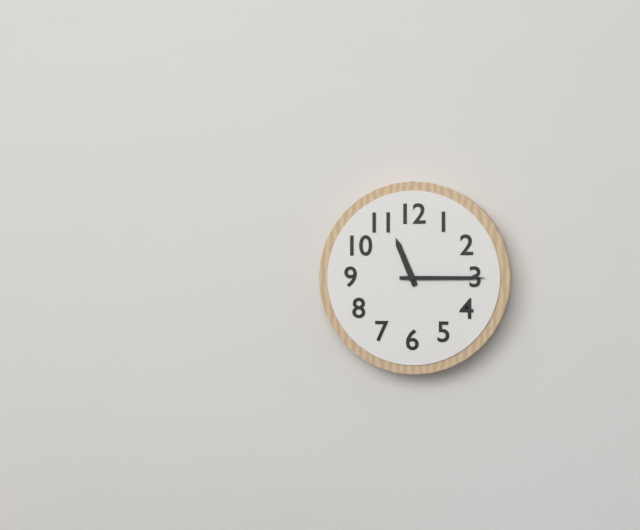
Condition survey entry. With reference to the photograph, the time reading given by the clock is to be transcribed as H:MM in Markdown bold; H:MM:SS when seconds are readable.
**11:15**
